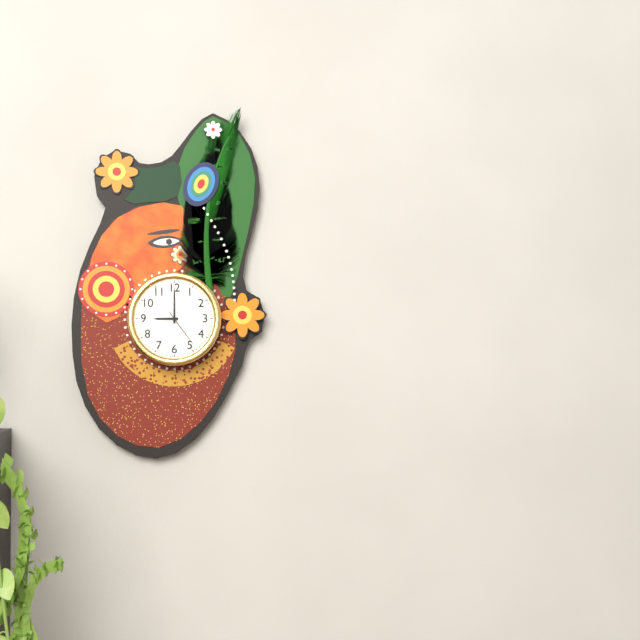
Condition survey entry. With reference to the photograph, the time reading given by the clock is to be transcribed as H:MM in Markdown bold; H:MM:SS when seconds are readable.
**9:00**
